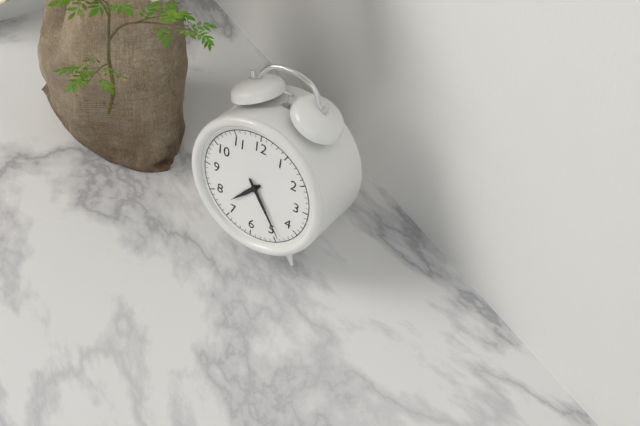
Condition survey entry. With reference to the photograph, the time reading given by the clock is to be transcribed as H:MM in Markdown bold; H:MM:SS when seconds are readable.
**7:24**
